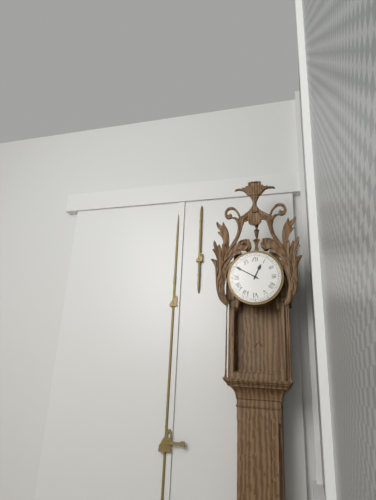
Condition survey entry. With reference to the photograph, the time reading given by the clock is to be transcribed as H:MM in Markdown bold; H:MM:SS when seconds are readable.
**12:50**
